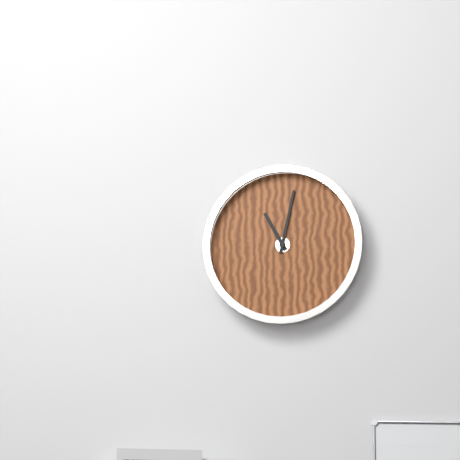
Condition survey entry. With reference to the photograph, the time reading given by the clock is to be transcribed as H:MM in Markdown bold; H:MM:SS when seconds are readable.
**11:02**
